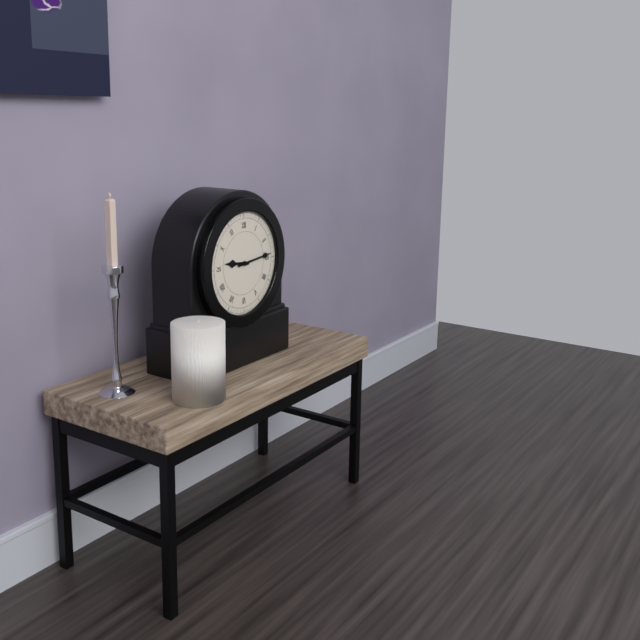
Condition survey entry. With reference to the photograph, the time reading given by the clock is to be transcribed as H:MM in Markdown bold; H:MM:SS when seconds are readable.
**9:14**
